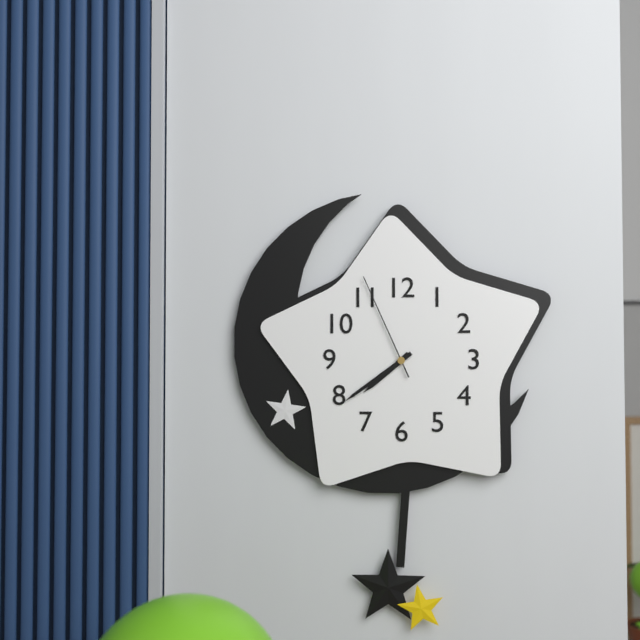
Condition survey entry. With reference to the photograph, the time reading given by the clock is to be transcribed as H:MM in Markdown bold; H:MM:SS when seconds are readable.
**7:39:56**
